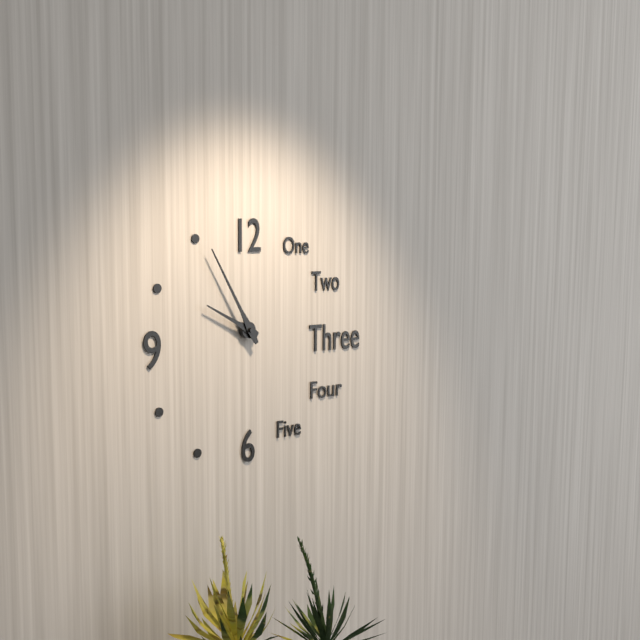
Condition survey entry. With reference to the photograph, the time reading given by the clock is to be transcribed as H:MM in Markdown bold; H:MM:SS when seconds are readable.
**9:55**
